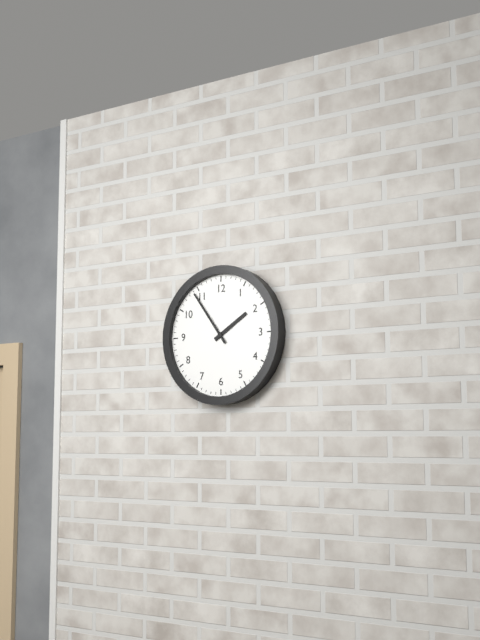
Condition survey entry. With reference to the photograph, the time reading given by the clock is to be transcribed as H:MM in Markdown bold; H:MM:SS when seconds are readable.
**1:54**
